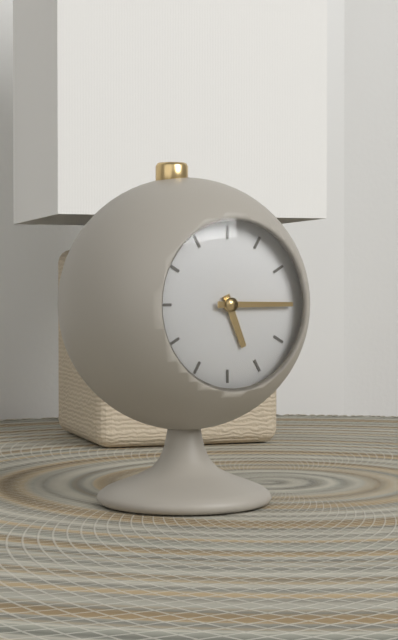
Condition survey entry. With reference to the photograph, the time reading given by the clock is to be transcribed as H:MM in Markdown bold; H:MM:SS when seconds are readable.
**5:15**
